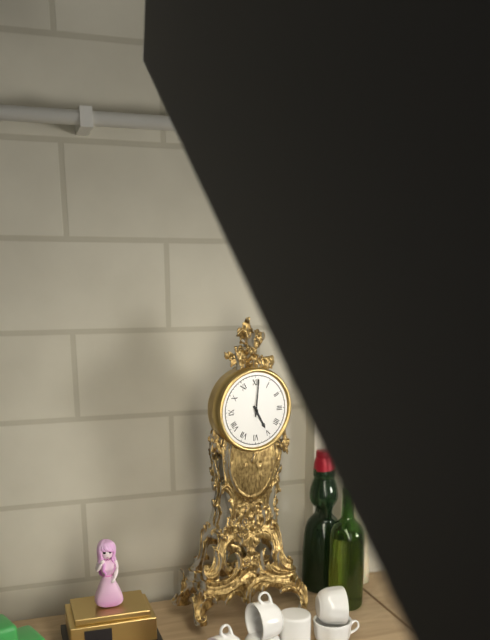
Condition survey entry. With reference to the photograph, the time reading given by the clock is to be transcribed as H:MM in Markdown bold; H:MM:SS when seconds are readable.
**5:01**
